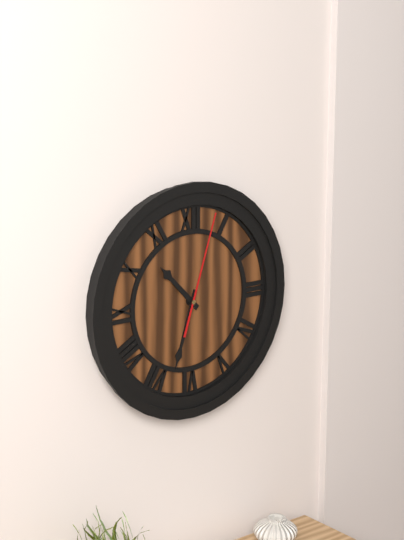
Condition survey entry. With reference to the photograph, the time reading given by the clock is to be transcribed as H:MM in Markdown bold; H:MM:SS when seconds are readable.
**10:33:03**
